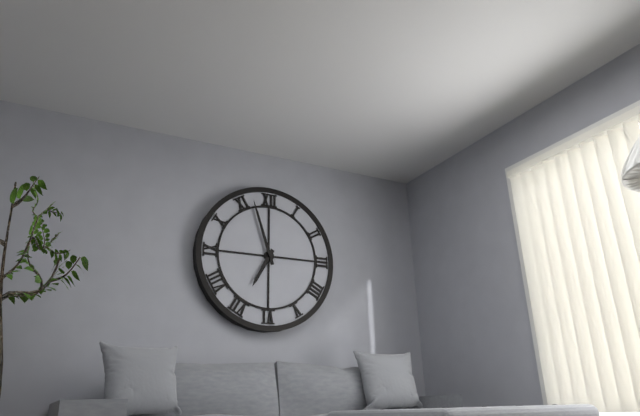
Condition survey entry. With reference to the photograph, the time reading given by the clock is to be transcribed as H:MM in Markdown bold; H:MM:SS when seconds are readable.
**6:57**
